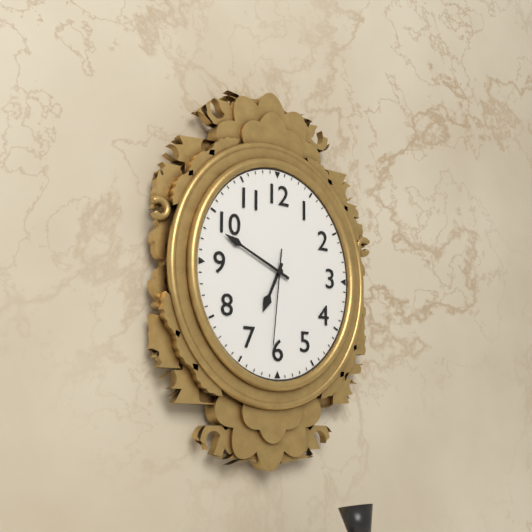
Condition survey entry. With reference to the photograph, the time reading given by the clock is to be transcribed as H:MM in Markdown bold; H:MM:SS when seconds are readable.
**6:49:31**
